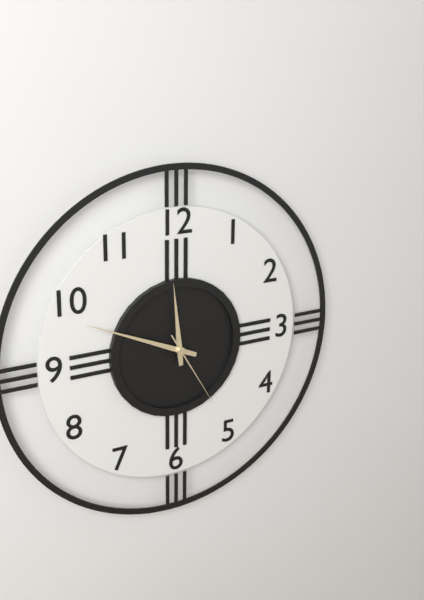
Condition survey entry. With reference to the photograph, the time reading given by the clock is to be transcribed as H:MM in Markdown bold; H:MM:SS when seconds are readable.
**11:49:25**
